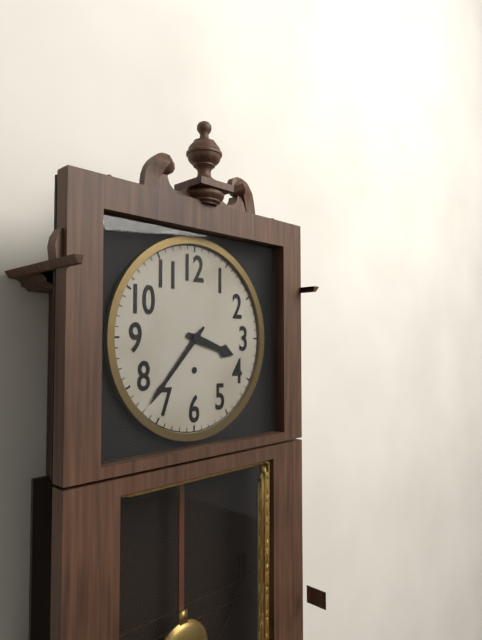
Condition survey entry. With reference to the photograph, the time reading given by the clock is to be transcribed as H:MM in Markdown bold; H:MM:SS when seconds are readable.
**3:37**
